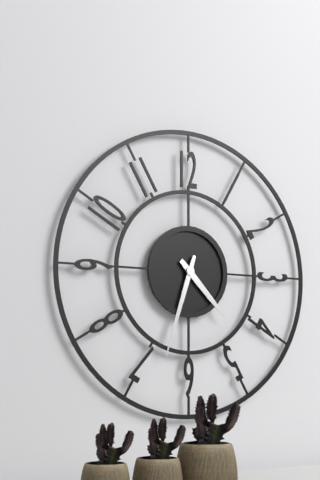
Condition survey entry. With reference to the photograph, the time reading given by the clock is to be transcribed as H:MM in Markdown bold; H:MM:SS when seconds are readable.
**4:33**
